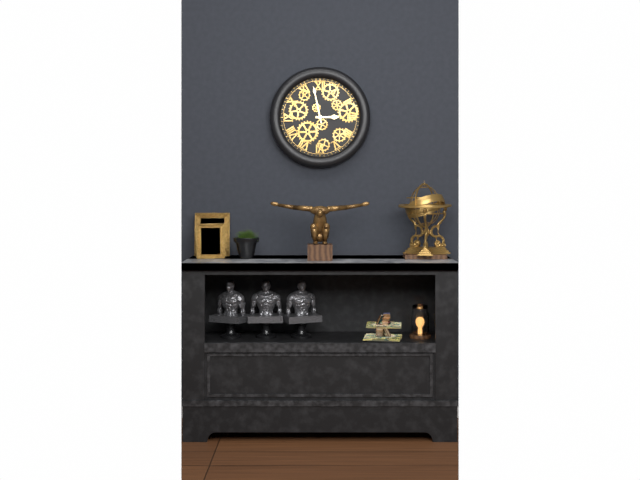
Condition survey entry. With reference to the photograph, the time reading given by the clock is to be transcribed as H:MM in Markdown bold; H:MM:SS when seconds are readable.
**2:58**
